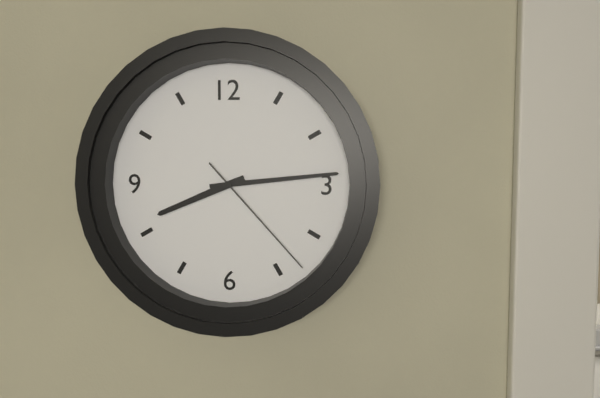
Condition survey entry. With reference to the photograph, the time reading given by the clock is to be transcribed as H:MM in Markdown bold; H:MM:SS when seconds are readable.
**8:14:23**
